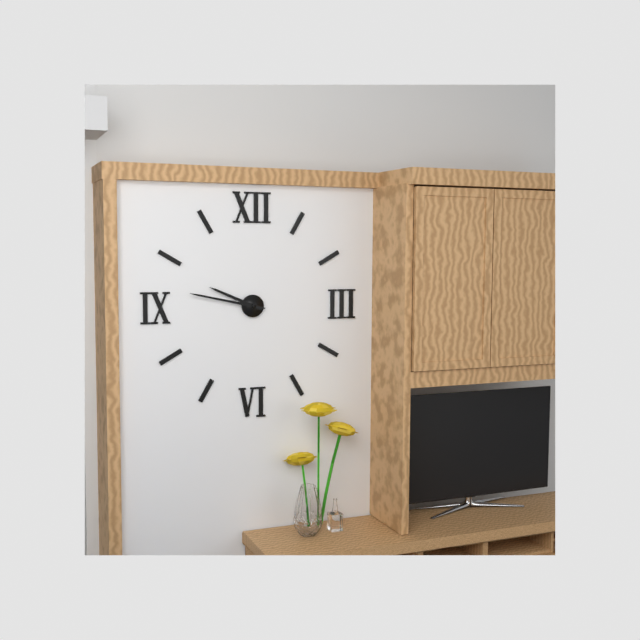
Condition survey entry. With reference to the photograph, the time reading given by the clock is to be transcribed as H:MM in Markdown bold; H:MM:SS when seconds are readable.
**9:47**
